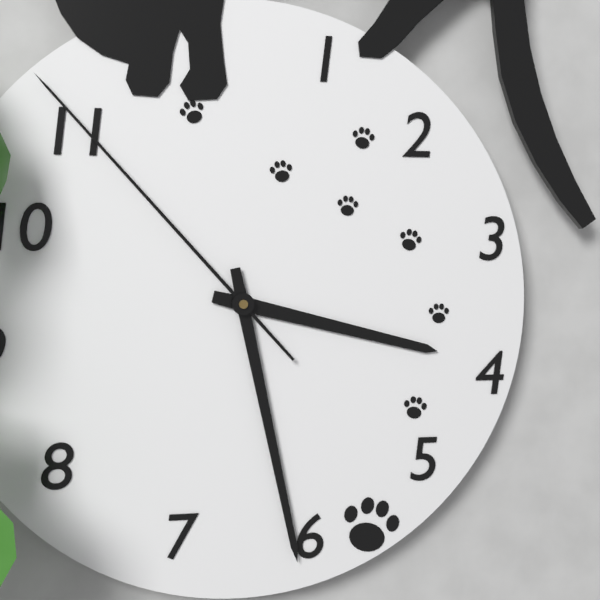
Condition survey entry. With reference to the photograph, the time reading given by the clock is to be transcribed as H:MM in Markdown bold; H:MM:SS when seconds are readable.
**3:28:53**
